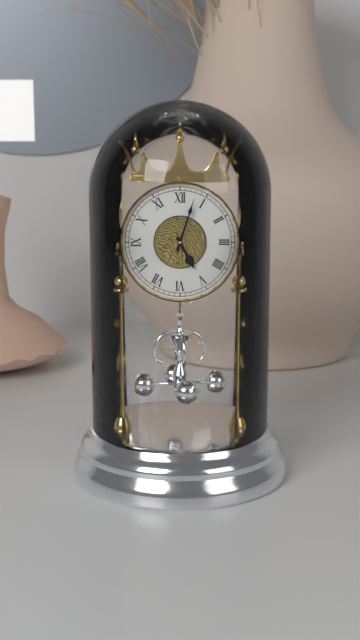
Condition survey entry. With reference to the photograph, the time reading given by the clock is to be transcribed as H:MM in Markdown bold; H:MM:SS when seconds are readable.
**5:03**
